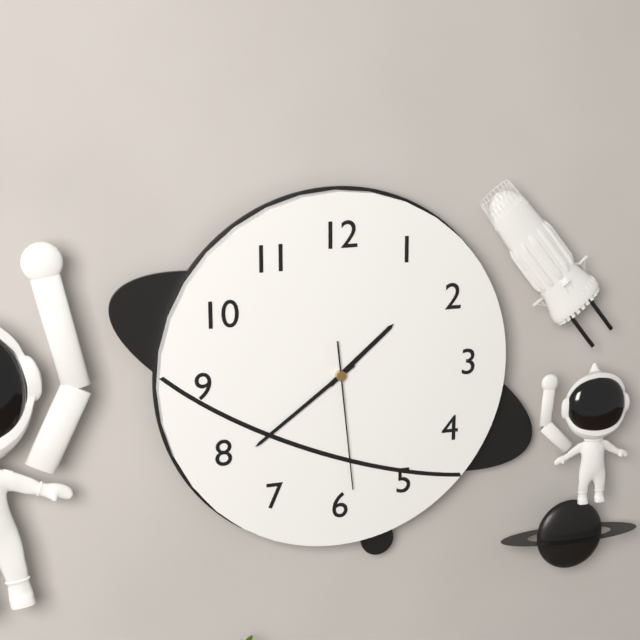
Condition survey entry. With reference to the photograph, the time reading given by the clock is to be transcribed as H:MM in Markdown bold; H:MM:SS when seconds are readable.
**1:39:29**
